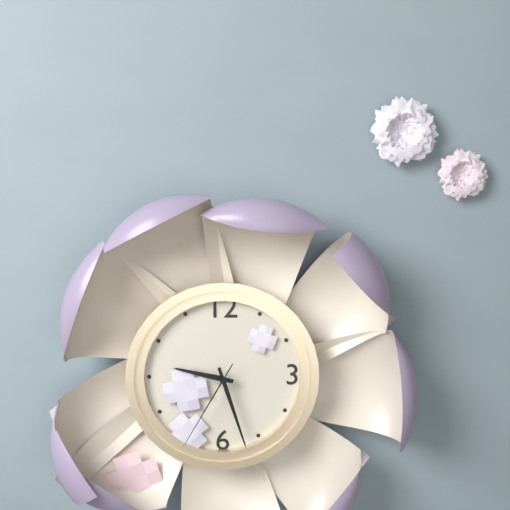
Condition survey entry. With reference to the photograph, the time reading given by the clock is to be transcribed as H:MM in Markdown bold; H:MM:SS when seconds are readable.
**9:27:35**
